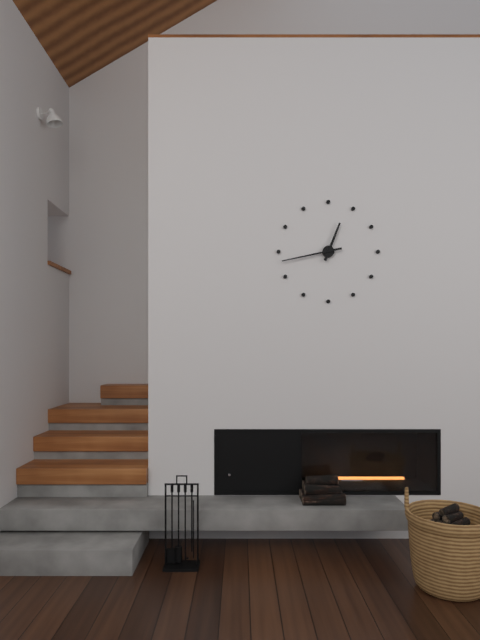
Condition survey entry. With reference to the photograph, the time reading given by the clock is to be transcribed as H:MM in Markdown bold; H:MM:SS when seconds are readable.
**12:43**
